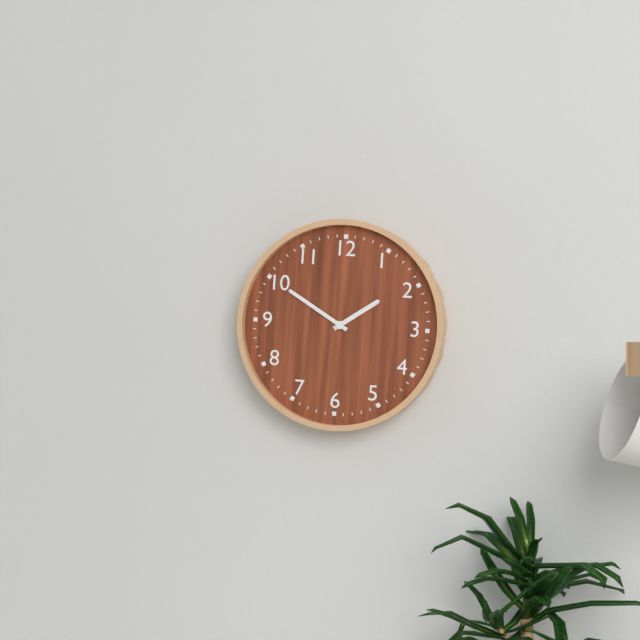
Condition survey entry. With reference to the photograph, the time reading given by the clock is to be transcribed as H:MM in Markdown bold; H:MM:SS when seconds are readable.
**1:50**
